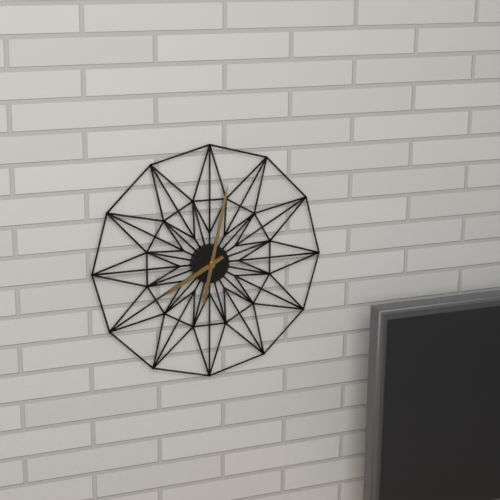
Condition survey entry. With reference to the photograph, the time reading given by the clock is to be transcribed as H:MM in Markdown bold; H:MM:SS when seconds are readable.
**8:02**
